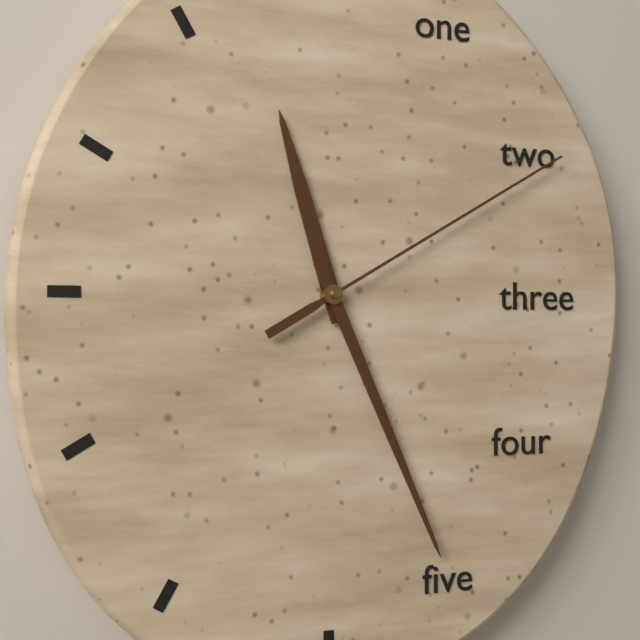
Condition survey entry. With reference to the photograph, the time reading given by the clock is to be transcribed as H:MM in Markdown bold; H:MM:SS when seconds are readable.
**11:26:10**
